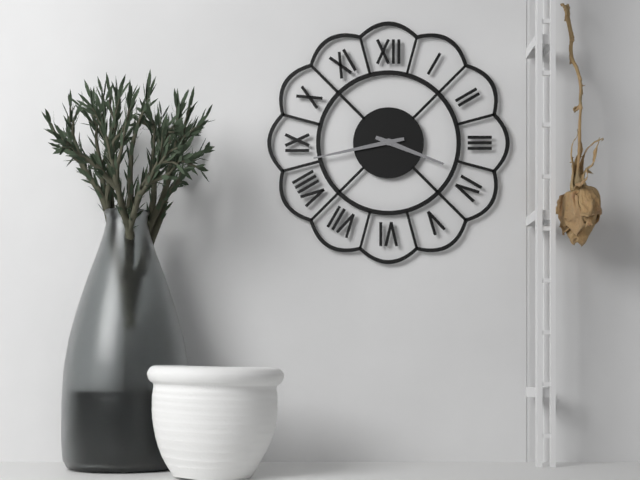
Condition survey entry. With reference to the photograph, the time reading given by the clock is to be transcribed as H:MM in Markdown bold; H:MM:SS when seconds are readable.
**3:43**
